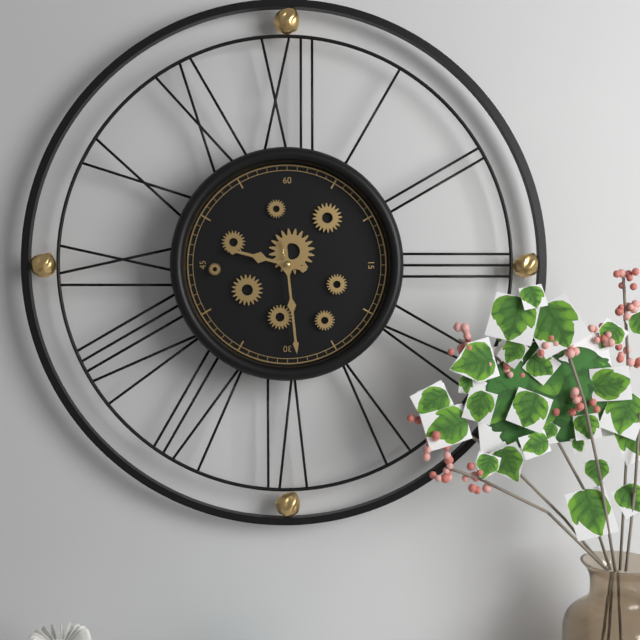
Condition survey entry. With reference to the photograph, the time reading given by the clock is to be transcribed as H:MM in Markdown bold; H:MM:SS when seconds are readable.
**9:29**
